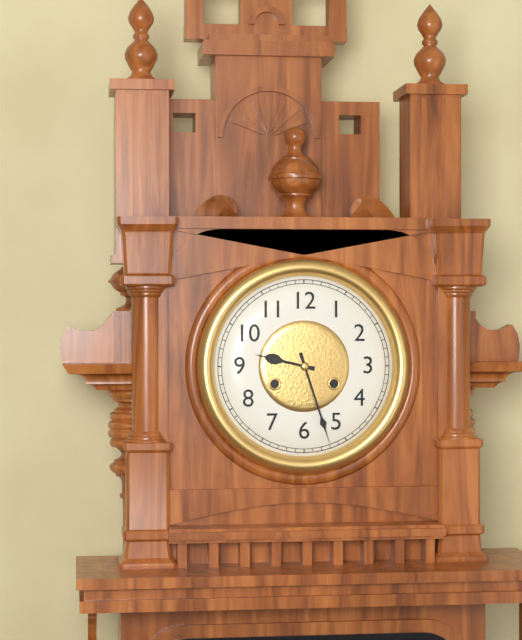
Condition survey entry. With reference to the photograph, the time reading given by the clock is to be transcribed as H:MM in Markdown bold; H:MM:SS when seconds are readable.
**9:27**
